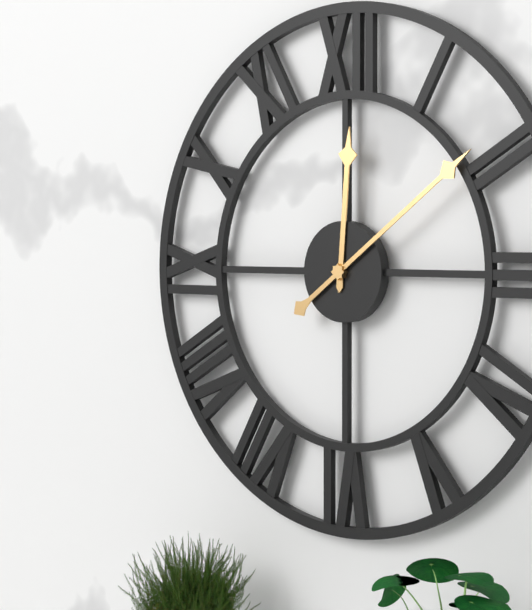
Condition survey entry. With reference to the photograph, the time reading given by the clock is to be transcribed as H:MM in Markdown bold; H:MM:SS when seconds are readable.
**12:09**
